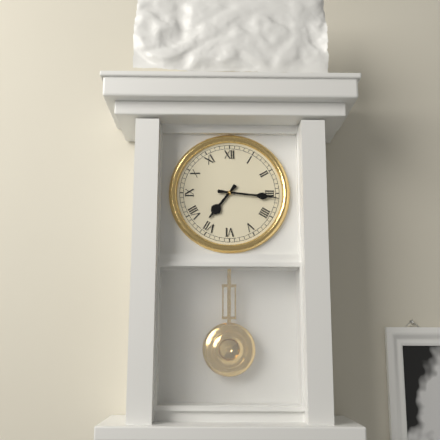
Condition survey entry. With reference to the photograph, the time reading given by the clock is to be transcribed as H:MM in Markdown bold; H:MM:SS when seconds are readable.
**7:16**
